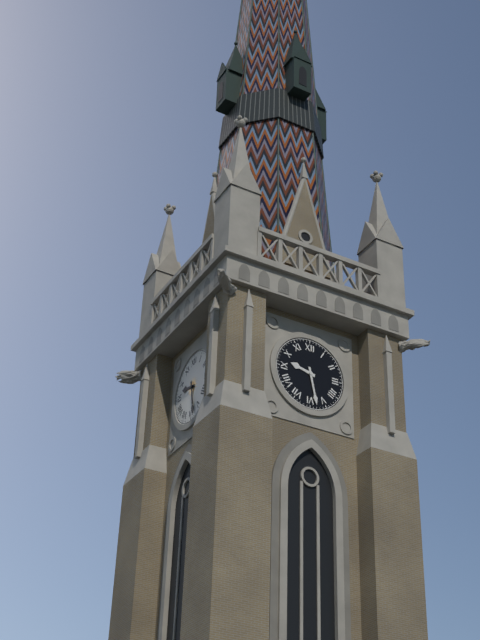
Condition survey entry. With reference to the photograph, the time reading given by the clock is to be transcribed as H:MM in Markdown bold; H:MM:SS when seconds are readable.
**9:28**
